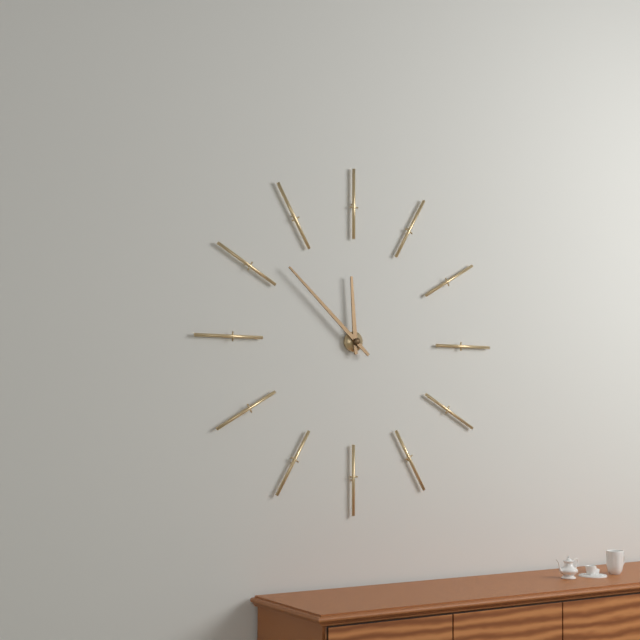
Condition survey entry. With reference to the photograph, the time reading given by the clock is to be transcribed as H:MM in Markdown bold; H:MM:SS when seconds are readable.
**11:52**
